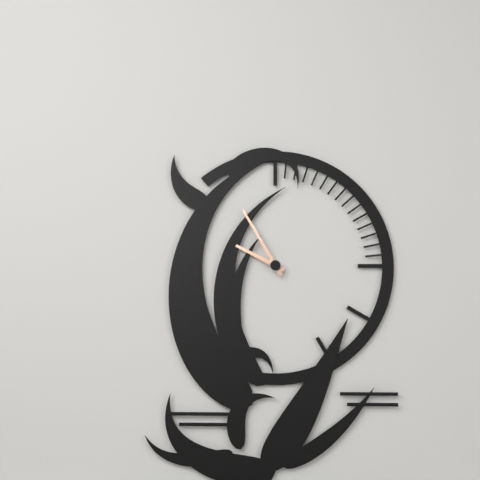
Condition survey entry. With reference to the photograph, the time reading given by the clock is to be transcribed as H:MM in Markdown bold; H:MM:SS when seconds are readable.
**9:55**
